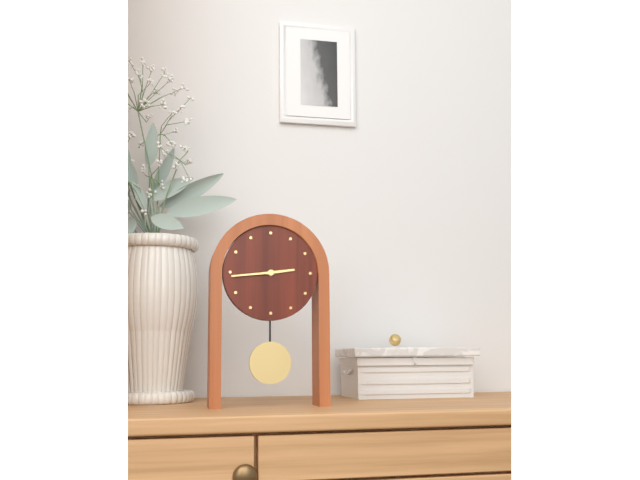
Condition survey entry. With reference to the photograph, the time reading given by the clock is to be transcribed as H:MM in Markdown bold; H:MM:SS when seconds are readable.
**2:44**
